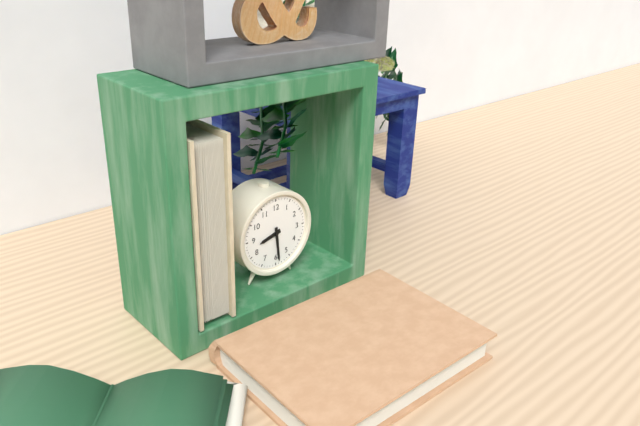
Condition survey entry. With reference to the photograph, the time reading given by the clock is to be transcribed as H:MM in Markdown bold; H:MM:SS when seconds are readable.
**8:29**
